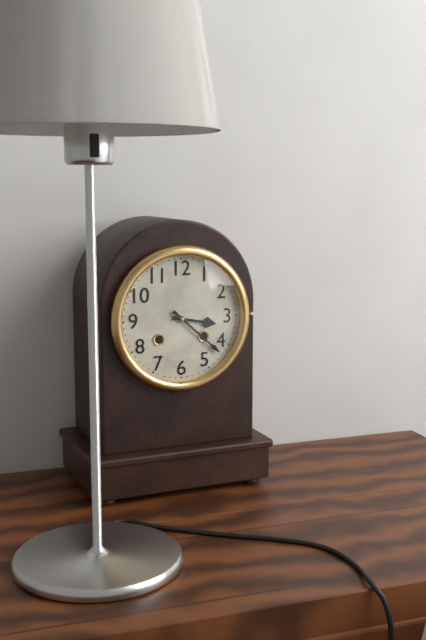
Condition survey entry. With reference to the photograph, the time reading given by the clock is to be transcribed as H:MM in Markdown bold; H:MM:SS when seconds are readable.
**3:22**
